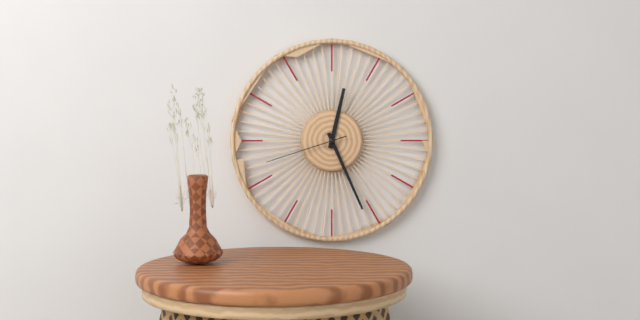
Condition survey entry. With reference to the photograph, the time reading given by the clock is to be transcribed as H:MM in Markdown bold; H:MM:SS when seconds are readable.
**12:26:42**
